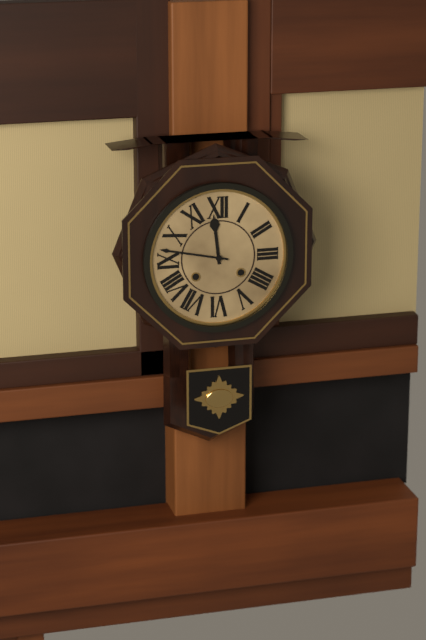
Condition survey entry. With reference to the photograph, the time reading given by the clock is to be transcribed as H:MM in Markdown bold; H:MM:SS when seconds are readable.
**11:47**
